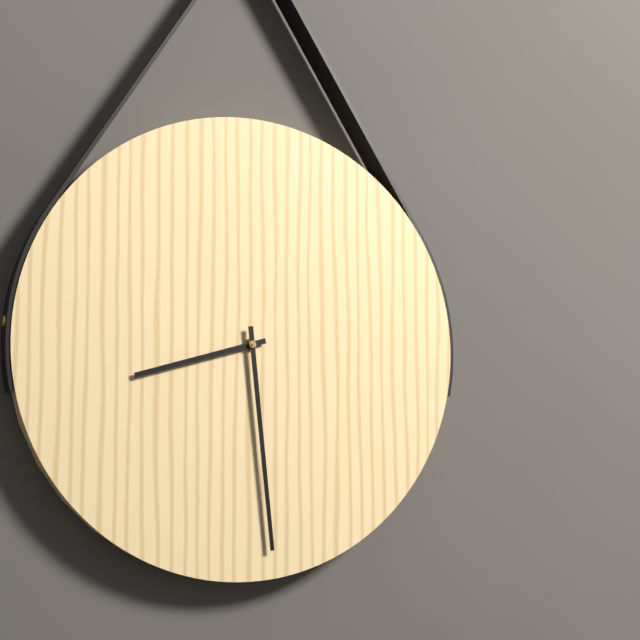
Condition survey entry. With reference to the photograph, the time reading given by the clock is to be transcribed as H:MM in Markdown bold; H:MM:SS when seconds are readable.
**8:29**
